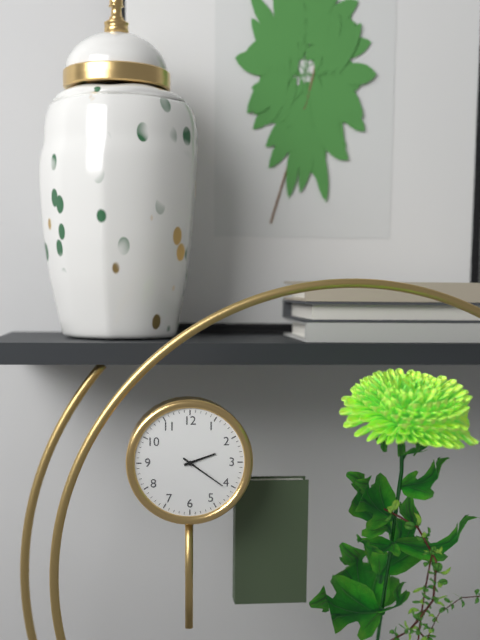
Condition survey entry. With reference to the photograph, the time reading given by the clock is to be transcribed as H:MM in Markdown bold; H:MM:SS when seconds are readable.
**2:21**
